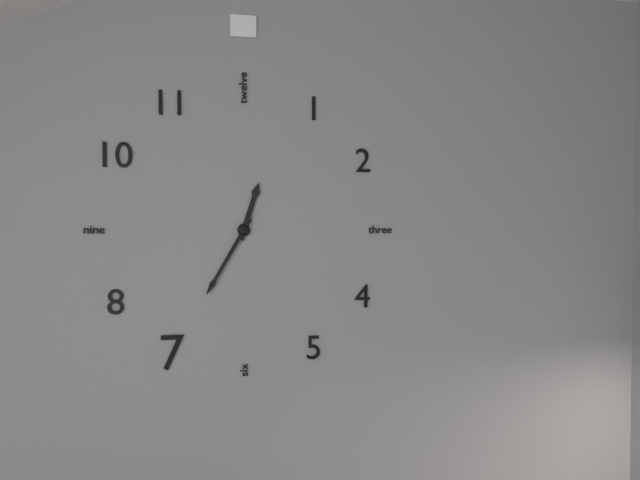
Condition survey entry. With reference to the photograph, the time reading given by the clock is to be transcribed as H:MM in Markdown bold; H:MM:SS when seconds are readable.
**12:35**
